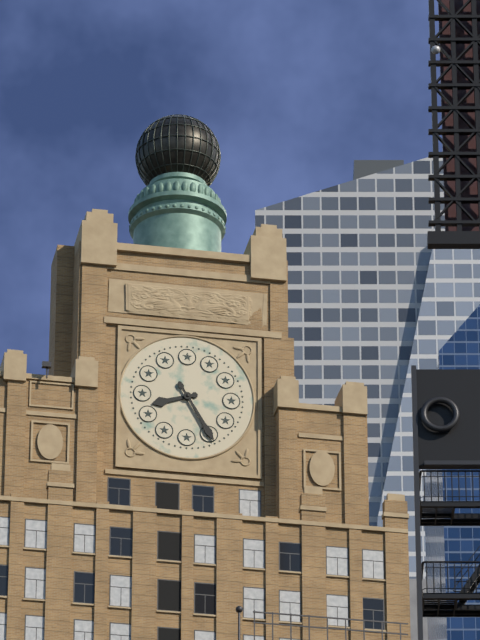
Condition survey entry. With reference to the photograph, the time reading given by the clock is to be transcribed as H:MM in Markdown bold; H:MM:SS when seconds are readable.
**8:25**
